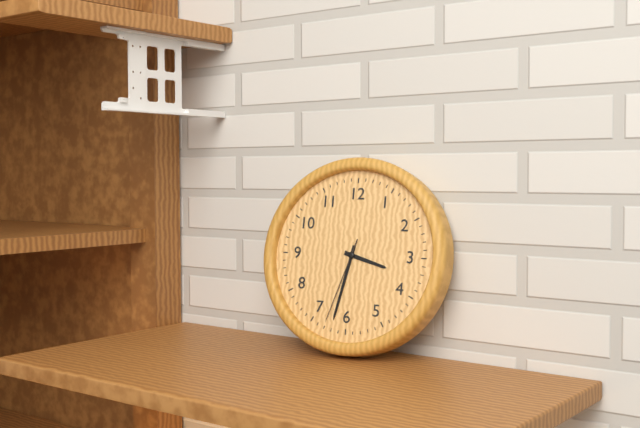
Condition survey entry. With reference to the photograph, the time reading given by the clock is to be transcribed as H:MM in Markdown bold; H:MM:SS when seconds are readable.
**3:32:33**
